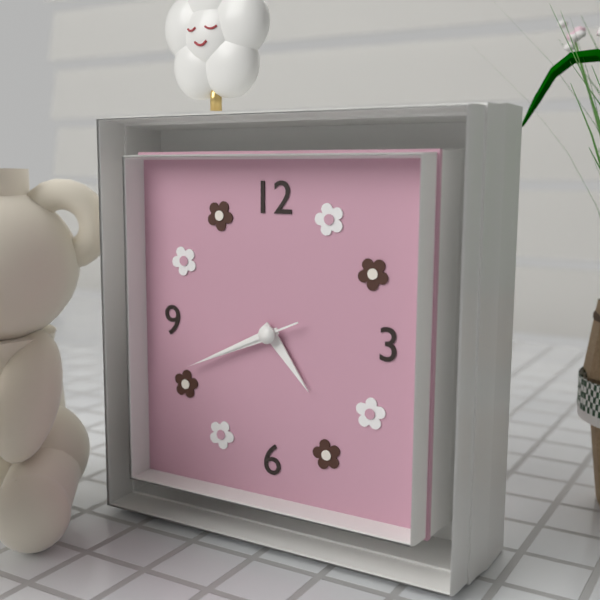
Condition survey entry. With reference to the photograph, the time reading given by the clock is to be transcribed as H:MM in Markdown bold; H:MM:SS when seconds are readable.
**4:41:41**
